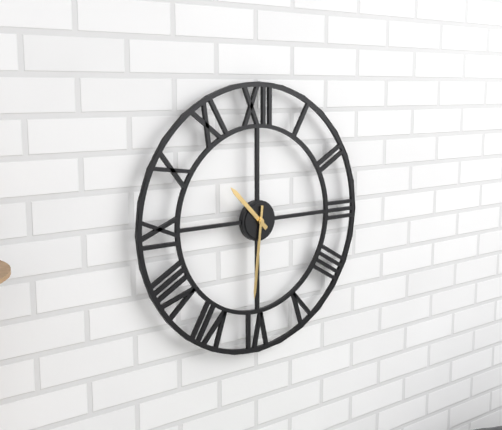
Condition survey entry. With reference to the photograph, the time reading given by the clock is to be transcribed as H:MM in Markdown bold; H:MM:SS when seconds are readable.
**10:31**
